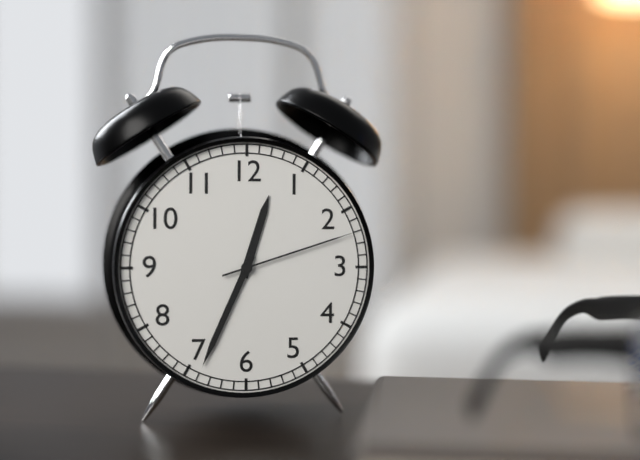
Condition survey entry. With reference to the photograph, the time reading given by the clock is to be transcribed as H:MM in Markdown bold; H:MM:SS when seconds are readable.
**12:34:12**
